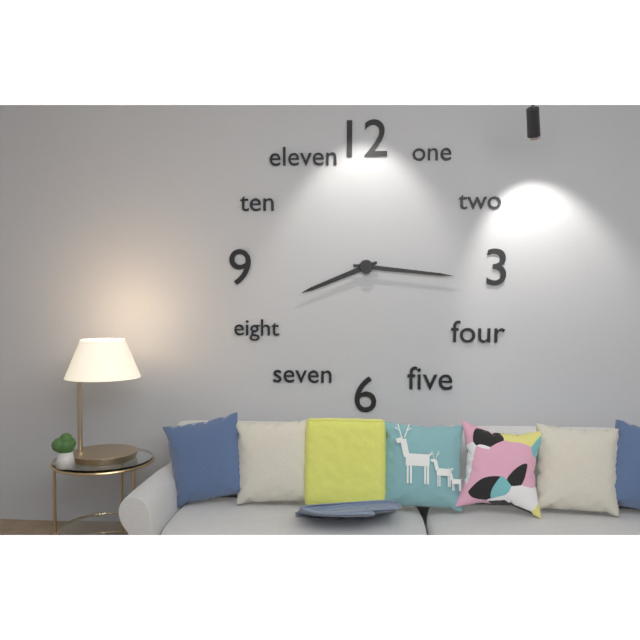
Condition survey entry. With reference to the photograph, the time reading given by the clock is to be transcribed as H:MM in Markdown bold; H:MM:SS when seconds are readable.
**8:16**
